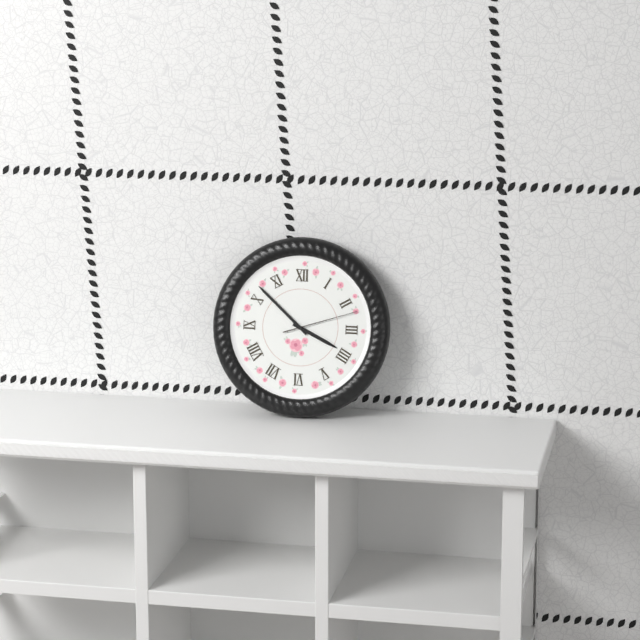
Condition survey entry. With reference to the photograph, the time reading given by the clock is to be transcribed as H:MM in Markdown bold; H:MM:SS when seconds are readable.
**3:52:12**
